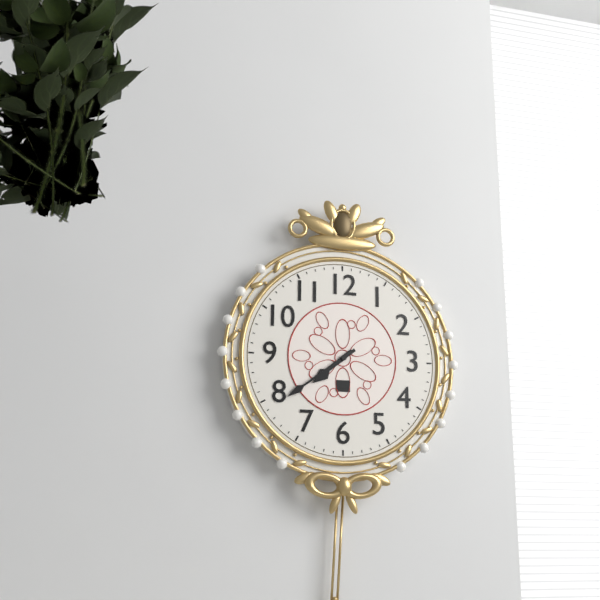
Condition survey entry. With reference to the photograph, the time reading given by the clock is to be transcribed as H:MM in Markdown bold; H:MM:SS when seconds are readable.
**7:39**
